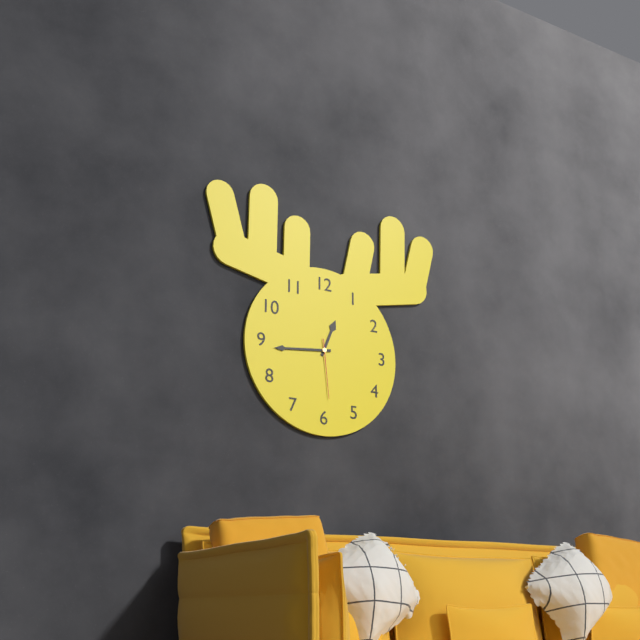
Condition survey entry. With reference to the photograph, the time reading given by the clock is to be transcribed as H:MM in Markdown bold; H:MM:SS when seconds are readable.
**12:44:29**
